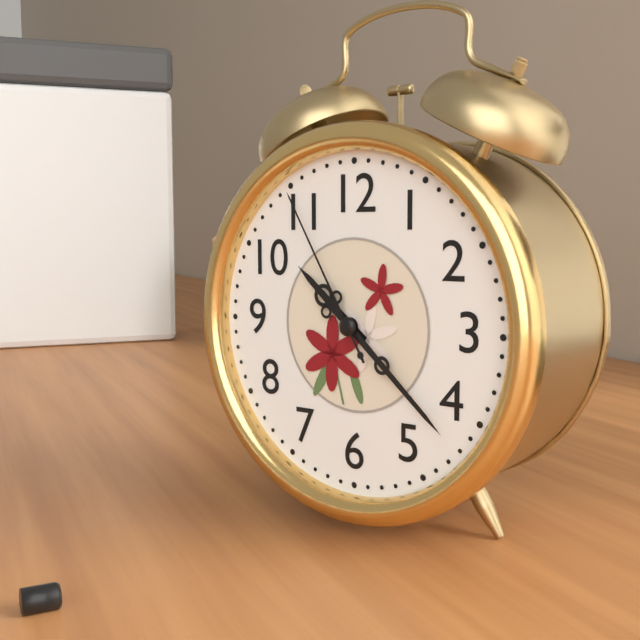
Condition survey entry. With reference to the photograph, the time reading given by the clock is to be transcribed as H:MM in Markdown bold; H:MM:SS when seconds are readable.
**10:22:55**
